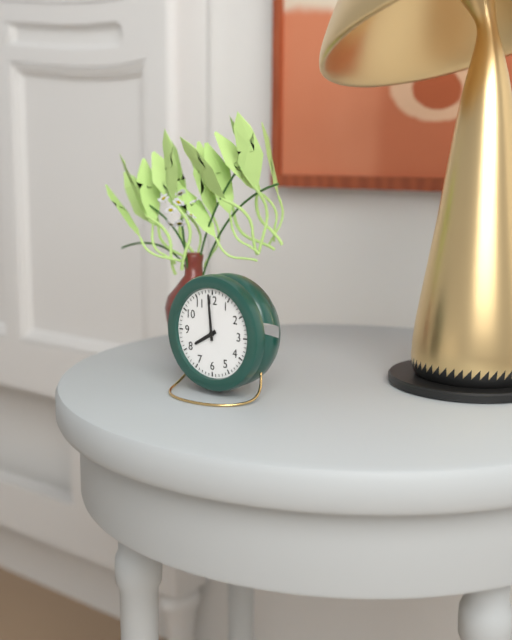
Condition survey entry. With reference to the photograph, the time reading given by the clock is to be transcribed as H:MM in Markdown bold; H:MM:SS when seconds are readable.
**7:59**
